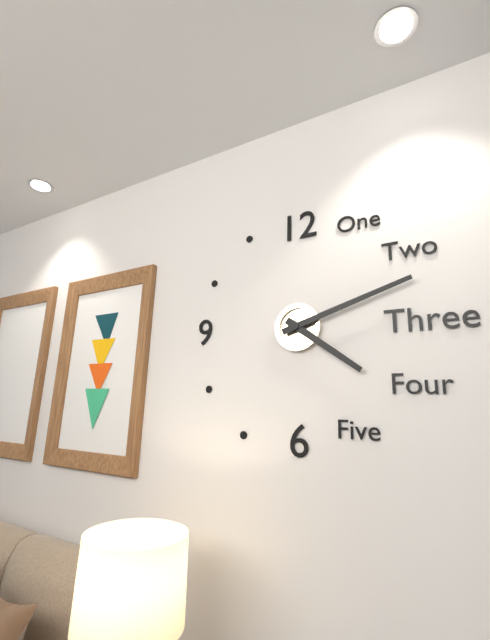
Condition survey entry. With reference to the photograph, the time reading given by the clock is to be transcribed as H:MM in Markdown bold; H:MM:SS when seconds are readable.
**4:12**
